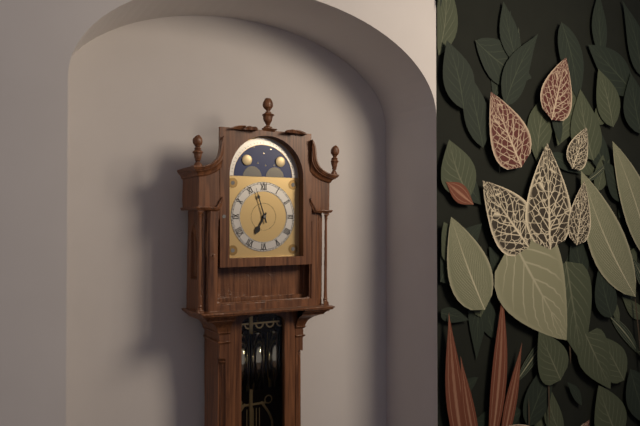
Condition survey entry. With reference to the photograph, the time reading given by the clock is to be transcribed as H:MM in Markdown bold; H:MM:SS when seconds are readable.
**6:57**
